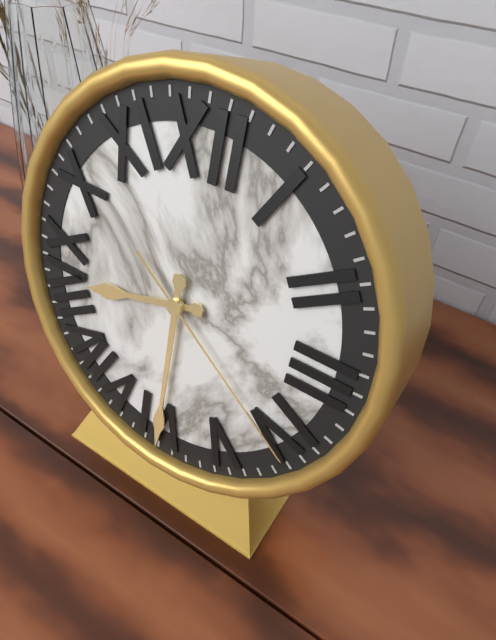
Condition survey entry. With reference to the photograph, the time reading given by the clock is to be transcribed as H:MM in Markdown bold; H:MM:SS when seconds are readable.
**8:30:21**
